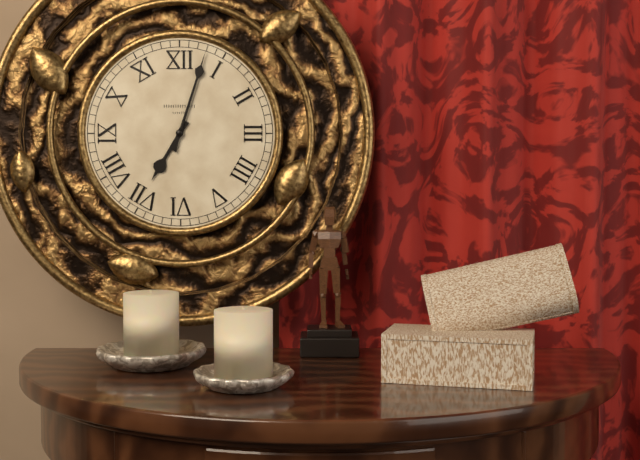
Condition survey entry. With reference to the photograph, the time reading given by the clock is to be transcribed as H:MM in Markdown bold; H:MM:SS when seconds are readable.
**7:03**
